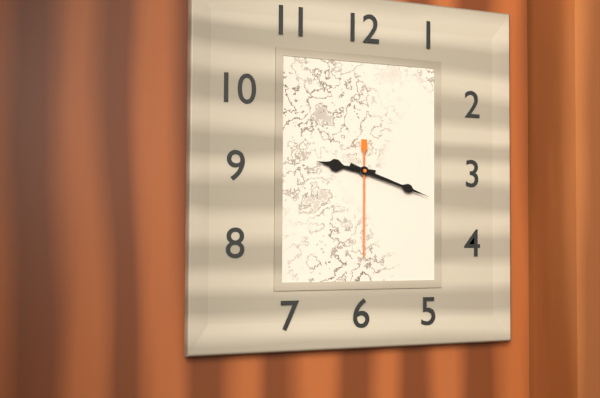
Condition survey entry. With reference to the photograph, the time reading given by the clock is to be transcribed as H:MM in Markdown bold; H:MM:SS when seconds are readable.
**9:18:30**
